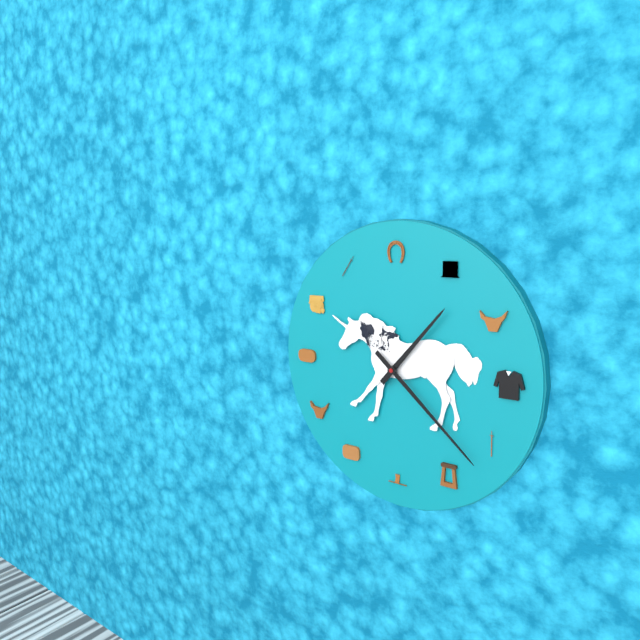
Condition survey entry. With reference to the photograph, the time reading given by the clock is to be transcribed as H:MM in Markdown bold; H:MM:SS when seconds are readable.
**1:22**
